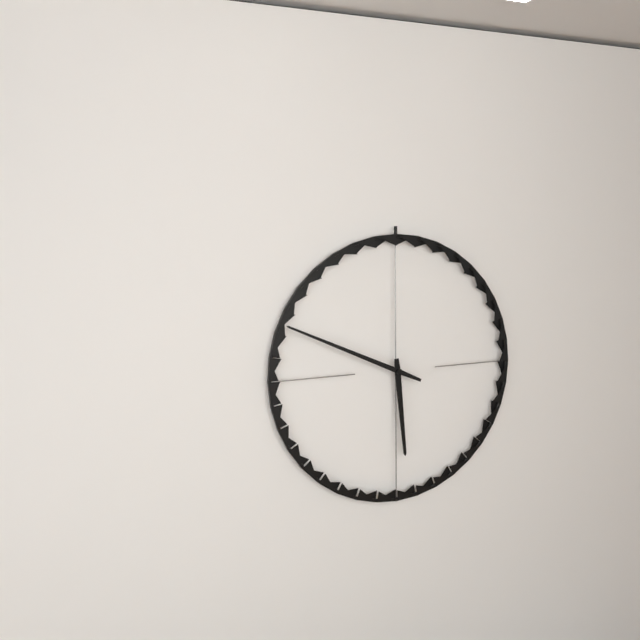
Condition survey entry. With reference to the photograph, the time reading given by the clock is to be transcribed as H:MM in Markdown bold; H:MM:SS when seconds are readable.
**5:49**
